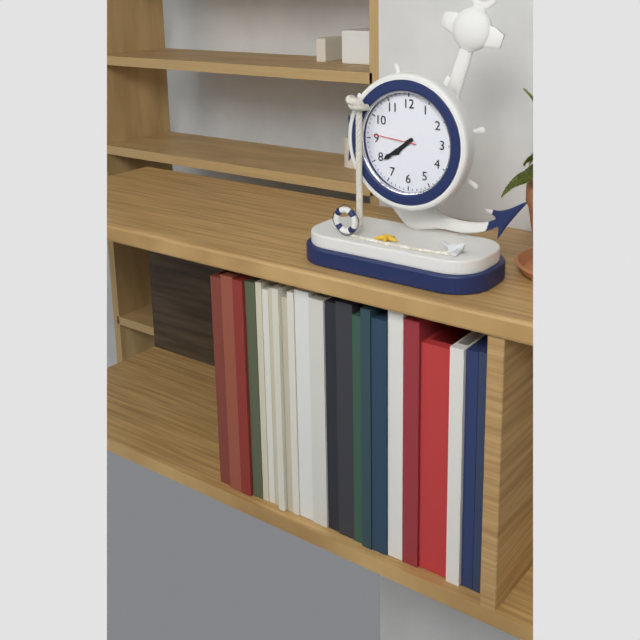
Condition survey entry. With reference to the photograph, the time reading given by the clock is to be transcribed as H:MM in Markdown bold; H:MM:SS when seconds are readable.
**7:39**
